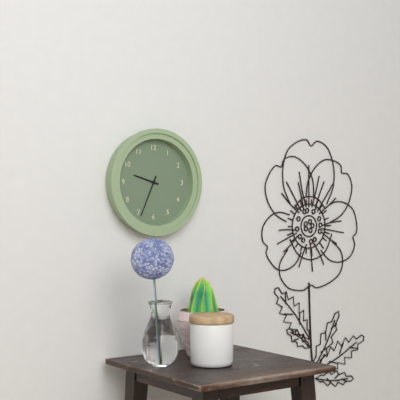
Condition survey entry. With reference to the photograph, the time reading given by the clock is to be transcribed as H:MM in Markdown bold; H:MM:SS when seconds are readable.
**9:34**
